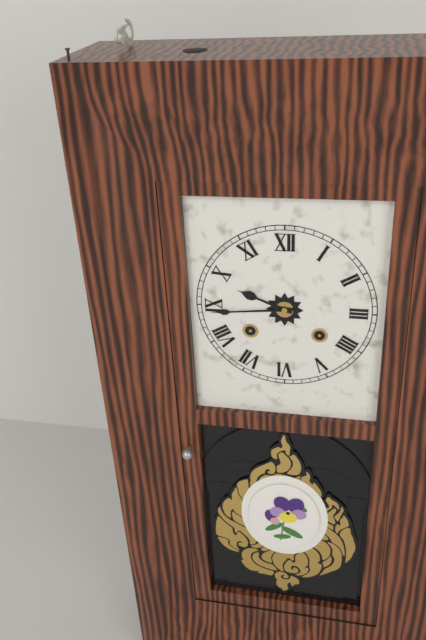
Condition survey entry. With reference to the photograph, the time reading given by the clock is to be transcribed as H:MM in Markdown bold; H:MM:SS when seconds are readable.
**9:44**
